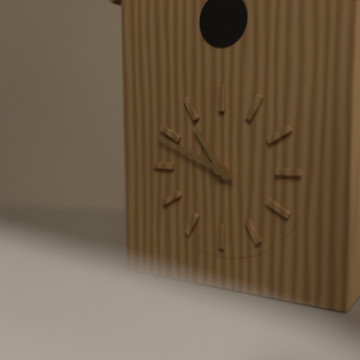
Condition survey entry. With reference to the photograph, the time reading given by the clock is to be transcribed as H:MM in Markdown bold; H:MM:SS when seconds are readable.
**10:49**
